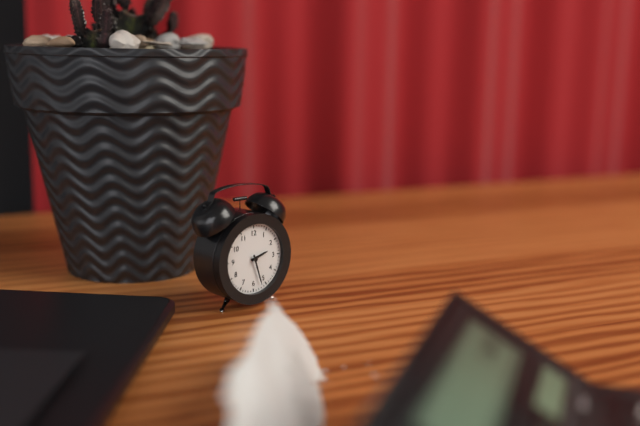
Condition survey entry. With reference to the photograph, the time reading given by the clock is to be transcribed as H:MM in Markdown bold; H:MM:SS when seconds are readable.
**2:27**
